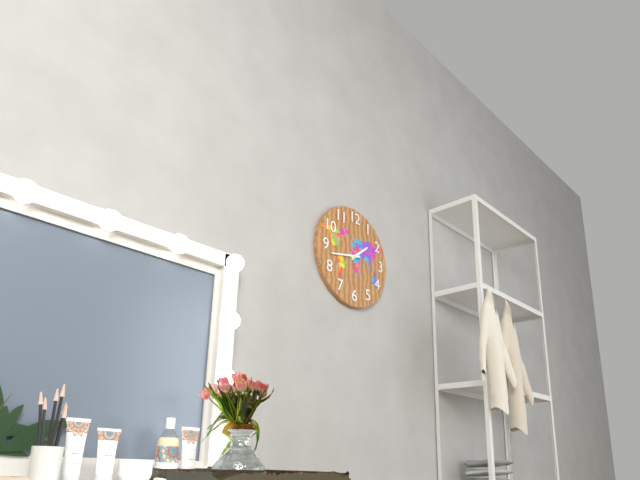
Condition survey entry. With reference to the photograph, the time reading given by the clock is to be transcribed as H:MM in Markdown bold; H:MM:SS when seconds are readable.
**1:43**
